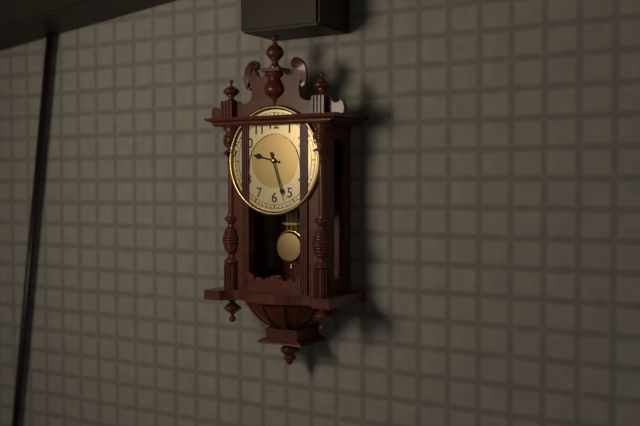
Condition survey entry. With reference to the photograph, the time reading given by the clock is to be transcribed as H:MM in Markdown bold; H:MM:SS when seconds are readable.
**9:27**
